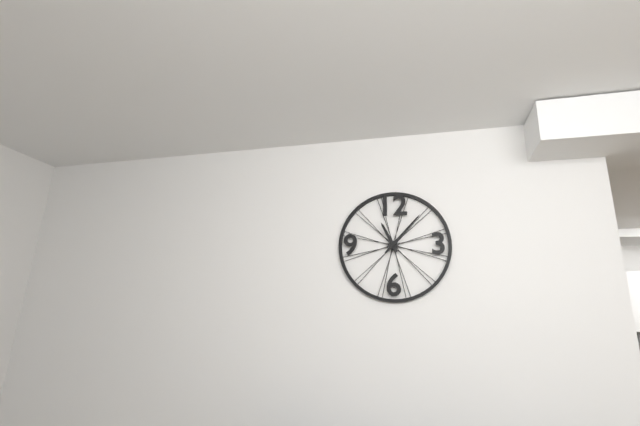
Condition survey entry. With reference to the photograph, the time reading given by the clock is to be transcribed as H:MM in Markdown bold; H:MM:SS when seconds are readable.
**11:07**
